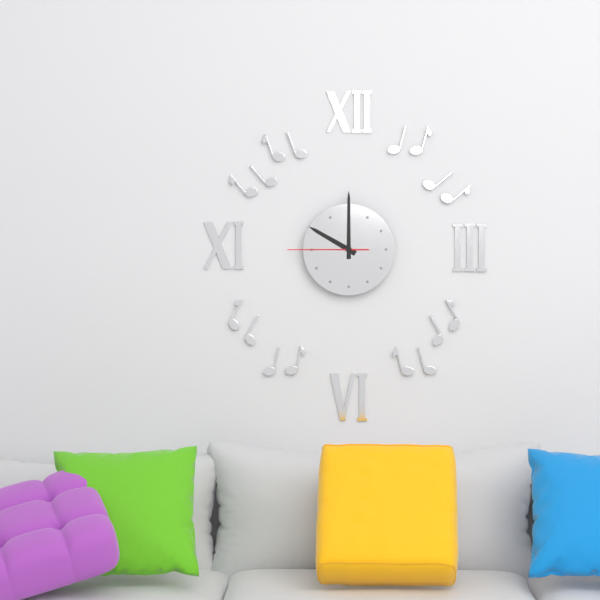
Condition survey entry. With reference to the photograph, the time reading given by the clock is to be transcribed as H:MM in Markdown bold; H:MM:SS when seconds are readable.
**10:00:45**
